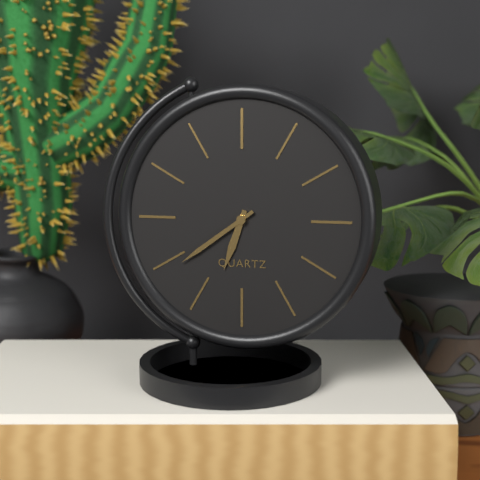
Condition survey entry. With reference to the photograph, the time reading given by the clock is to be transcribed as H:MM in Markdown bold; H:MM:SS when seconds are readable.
**6:39**
